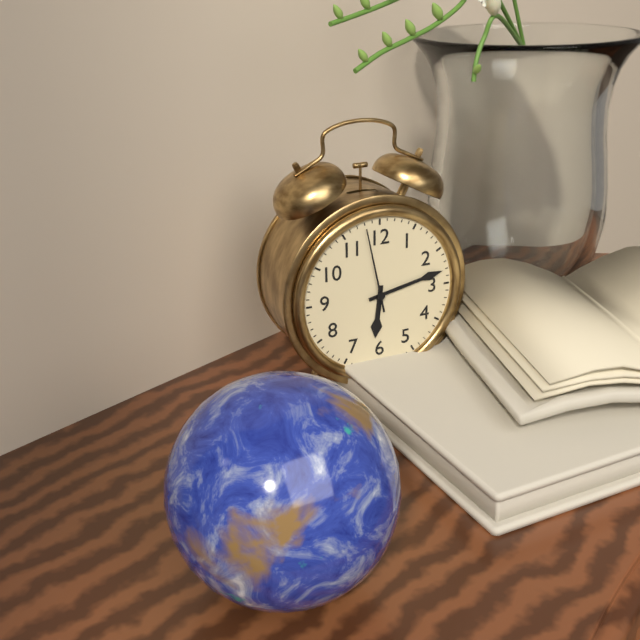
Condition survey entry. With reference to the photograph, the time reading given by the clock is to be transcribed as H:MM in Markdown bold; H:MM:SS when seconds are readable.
**6:13:58**
